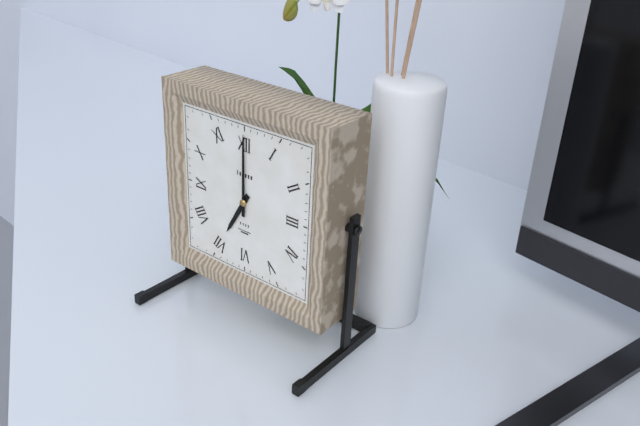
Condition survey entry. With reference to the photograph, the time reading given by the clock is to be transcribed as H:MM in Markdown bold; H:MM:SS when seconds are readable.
**7:00**
